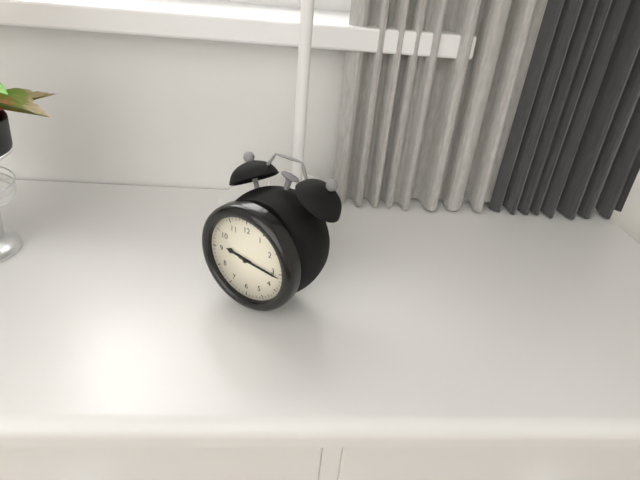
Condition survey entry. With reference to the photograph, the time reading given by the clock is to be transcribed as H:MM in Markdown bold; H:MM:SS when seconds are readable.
**9:16**
